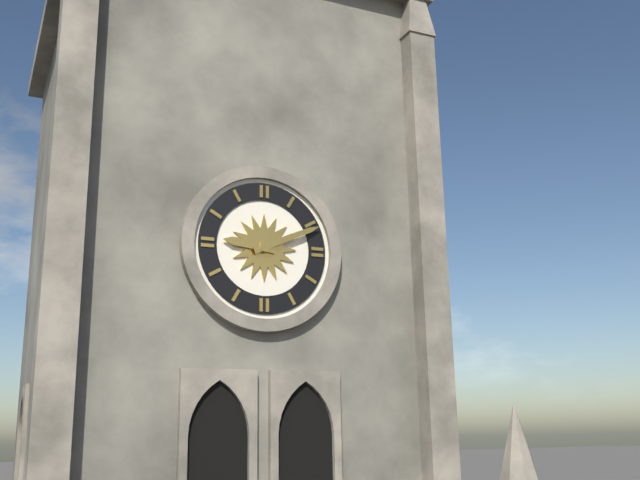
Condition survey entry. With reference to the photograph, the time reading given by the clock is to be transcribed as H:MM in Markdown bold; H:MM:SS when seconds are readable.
**9:11**
